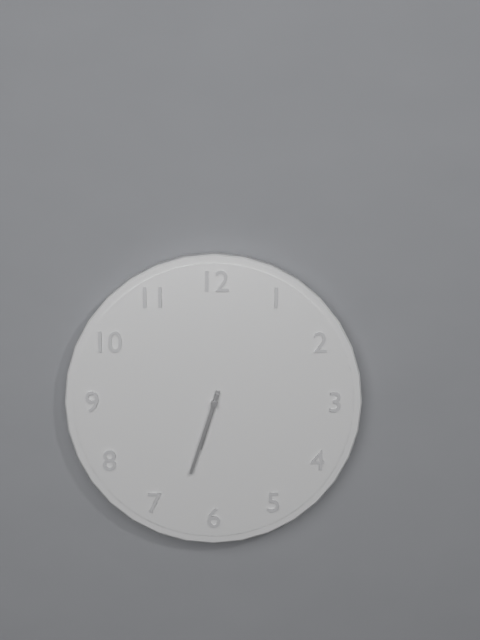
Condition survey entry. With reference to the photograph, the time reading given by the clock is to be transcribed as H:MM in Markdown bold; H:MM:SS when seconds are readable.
**6:33**
